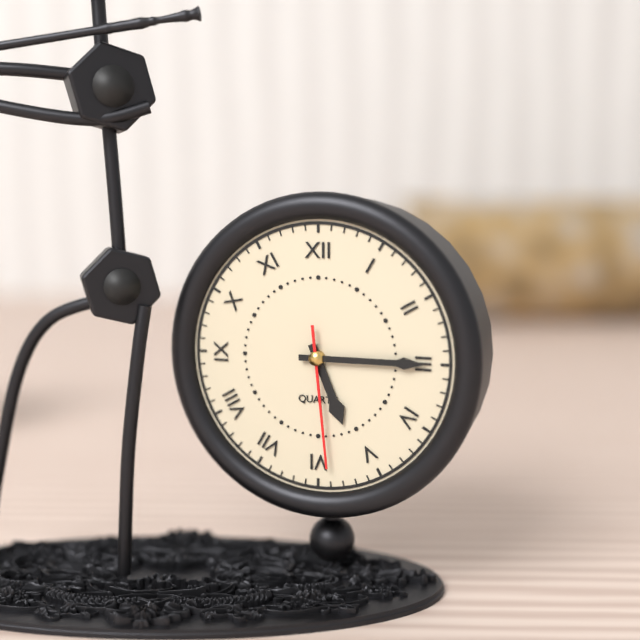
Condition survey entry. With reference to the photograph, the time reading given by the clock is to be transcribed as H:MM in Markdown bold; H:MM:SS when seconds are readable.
**5:15:29**
